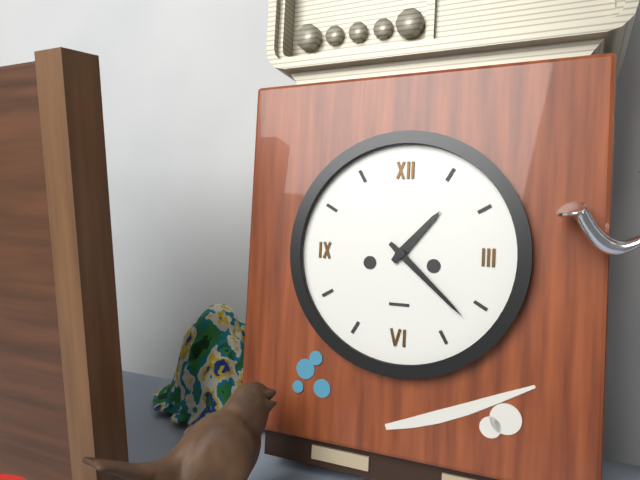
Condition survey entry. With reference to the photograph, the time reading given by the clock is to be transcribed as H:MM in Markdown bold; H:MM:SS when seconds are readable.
**1:22**
